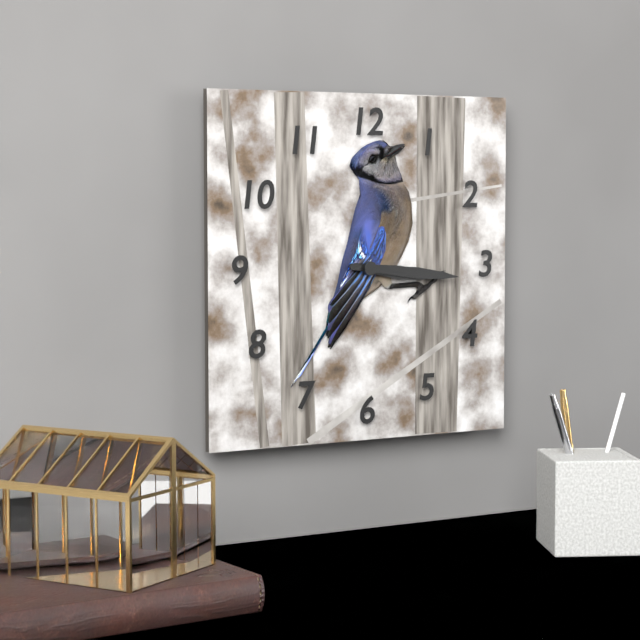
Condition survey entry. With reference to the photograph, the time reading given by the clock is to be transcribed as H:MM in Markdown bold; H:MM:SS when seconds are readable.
**3:16**
